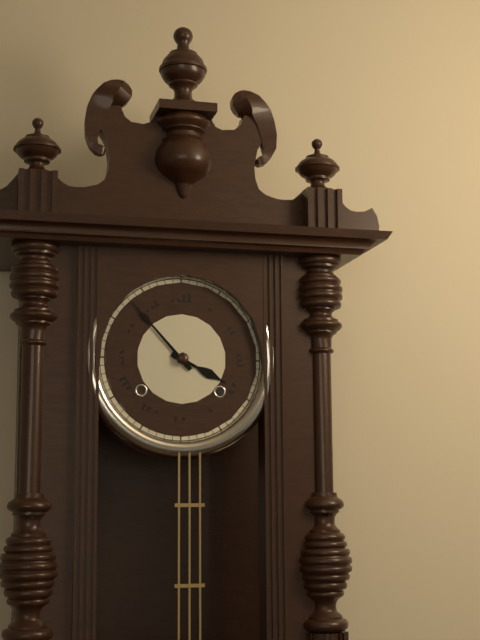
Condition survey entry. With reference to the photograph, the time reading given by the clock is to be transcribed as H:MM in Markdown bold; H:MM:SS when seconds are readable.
**3:53**
